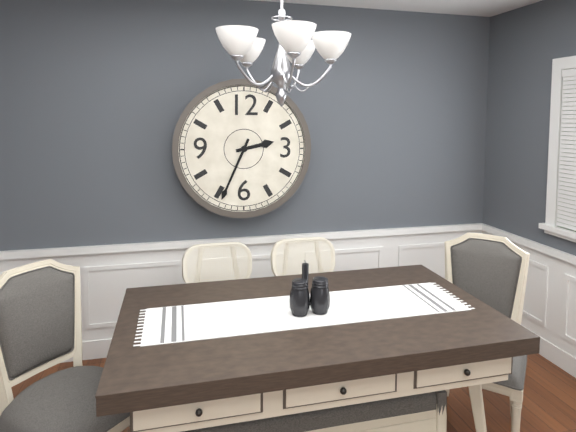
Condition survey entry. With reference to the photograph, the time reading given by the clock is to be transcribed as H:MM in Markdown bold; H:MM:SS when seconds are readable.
**2:34**
